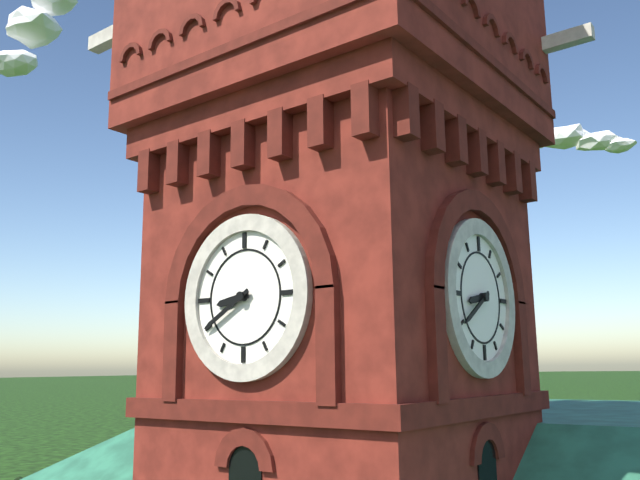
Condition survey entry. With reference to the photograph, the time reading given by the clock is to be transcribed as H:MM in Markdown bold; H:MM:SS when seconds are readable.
**8:40**
